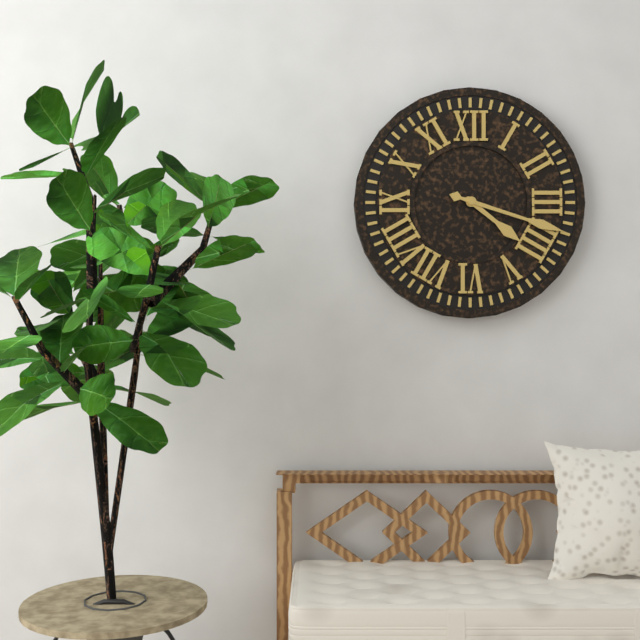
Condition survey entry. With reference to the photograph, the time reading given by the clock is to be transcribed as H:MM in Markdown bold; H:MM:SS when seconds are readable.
**4:18**
